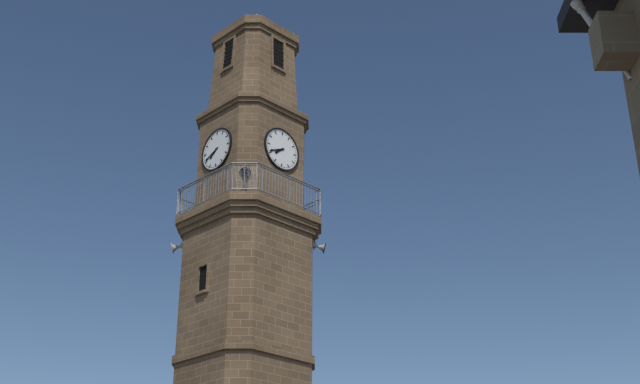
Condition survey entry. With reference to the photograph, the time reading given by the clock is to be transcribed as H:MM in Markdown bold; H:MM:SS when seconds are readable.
**7:41**
